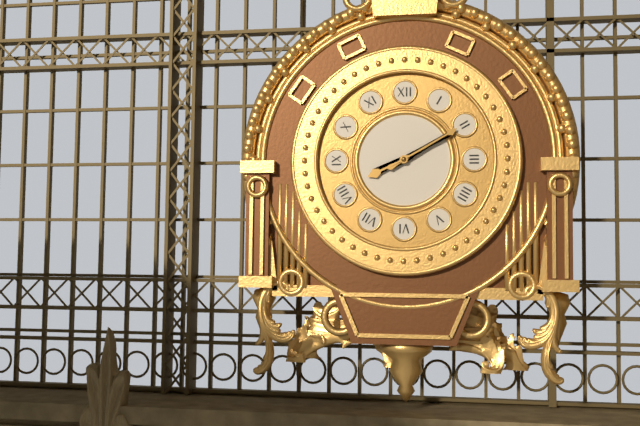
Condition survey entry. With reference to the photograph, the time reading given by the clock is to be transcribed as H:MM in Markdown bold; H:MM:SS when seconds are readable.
**8:10**
